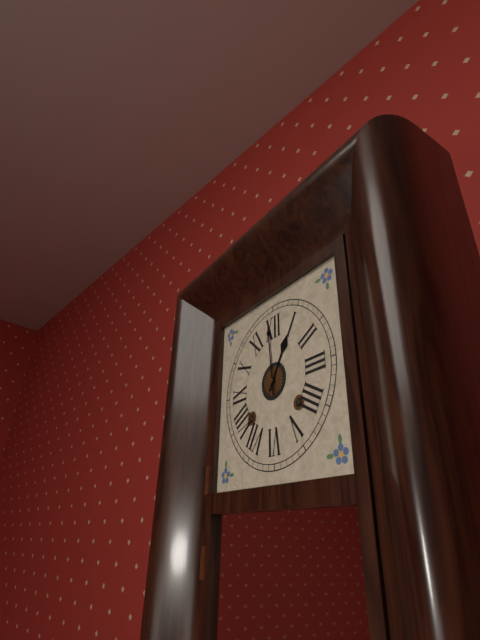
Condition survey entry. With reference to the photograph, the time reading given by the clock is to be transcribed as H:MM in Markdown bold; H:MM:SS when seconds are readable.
**12:59**
